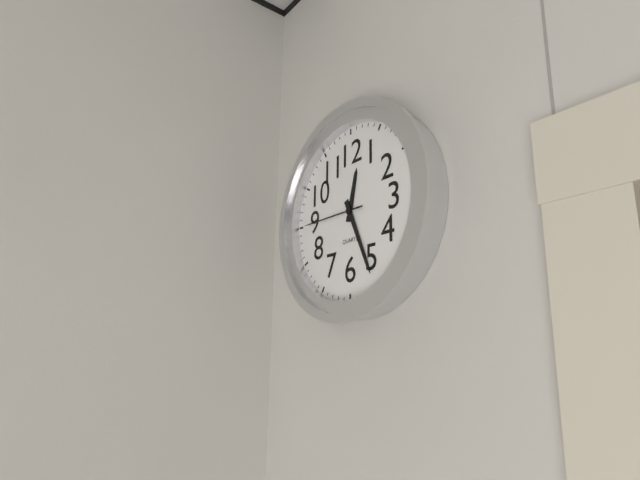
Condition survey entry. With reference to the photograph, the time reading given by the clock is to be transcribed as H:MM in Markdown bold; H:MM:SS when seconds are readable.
**12:26:45**
